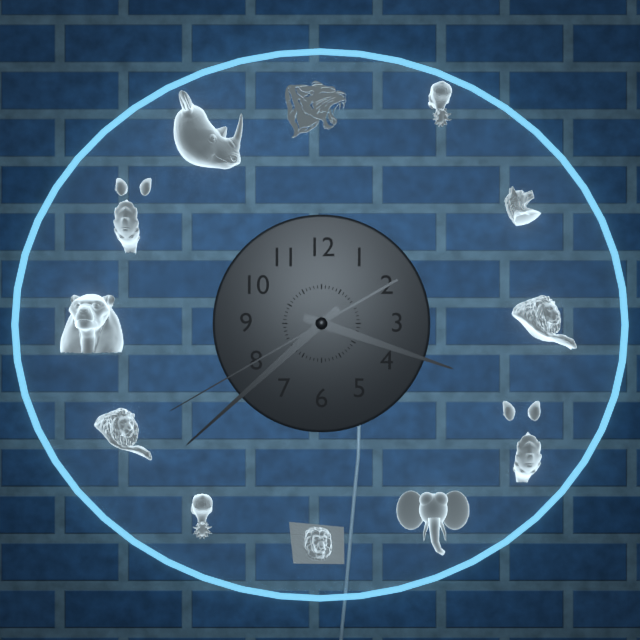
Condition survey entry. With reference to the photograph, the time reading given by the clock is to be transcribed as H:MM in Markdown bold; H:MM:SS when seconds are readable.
**3:38:40**
